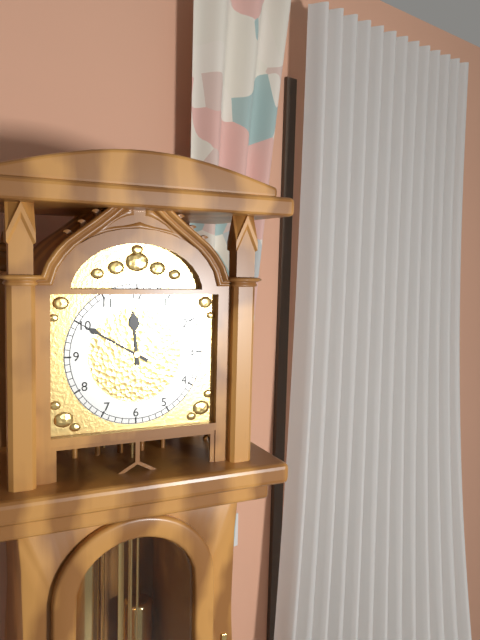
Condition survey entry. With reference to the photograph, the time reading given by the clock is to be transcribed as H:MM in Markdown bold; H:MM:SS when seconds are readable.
**11:50**
